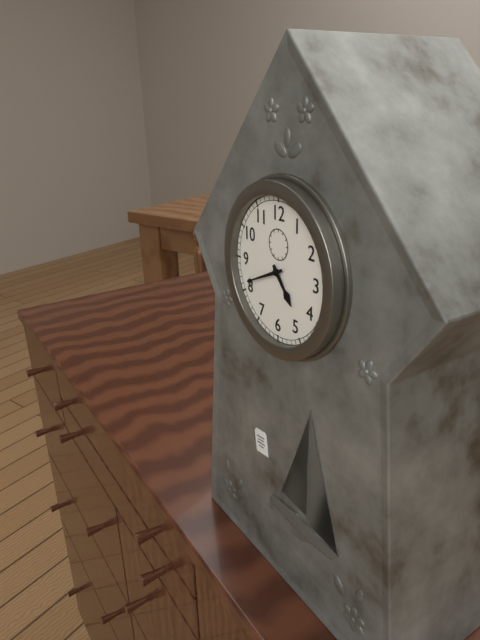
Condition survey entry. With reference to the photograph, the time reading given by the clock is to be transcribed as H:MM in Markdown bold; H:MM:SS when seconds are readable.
**4:41**
